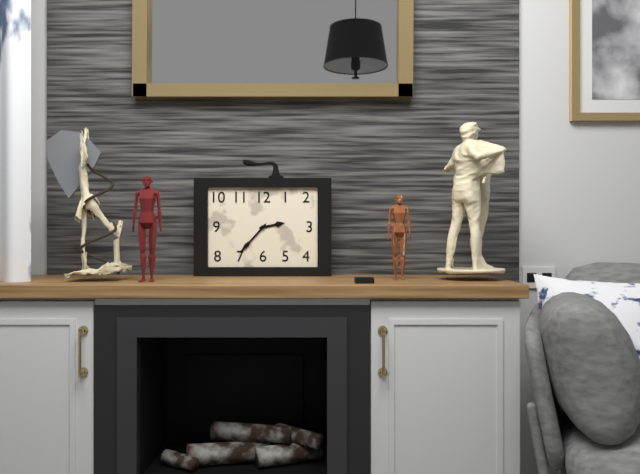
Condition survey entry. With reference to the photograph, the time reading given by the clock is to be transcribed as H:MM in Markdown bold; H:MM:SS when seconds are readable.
**2:37**
